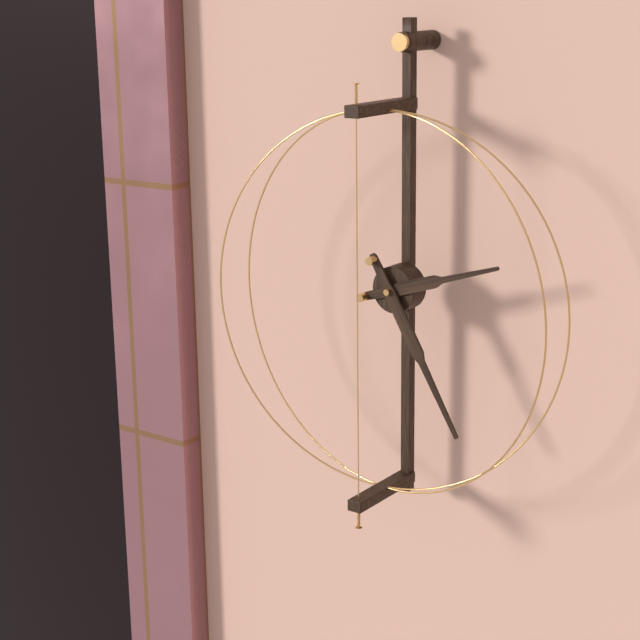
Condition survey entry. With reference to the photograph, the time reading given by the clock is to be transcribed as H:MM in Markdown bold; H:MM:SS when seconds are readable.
**2:25**
